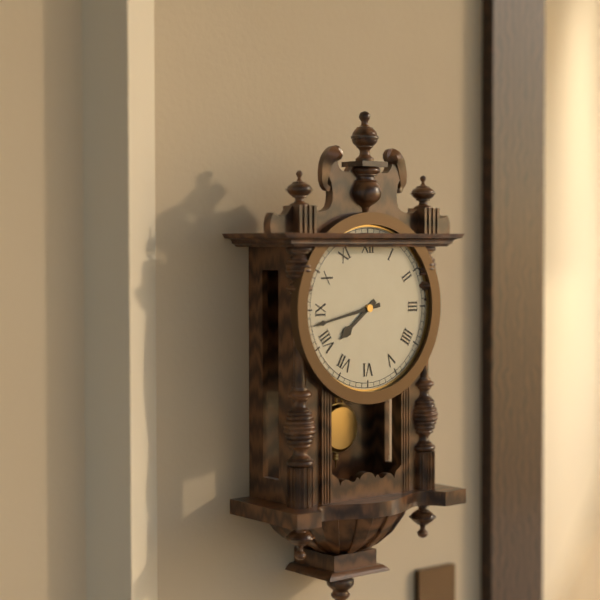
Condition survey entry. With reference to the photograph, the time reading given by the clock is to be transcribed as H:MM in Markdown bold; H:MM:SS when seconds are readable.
**7:43**
